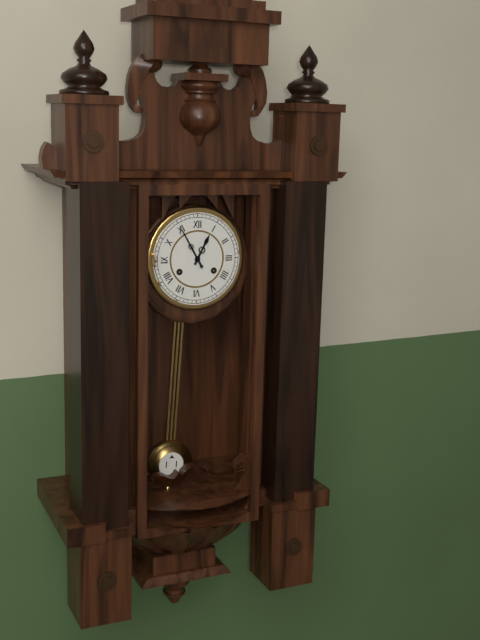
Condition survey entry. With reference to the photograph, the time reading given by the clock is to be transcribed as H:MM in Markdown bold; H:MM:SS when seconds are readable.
**12:55**
